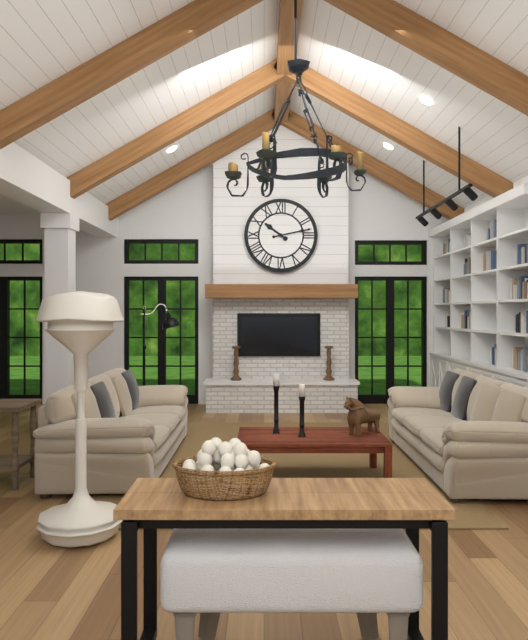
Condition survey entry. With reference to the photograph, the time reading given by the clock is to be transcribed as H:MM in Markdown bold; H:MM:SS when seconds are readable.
**10:13**
